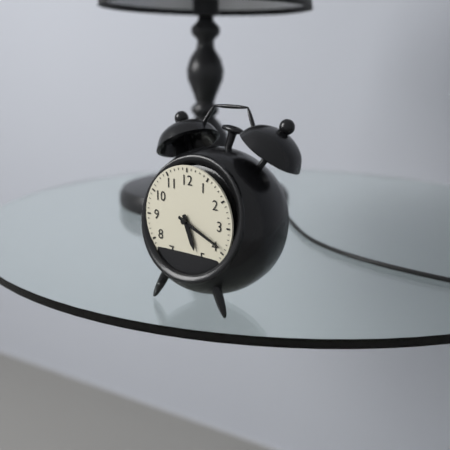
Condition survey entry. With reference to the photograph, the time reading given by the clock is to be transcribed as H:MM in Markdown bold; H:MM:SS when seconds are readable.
**5:19**
